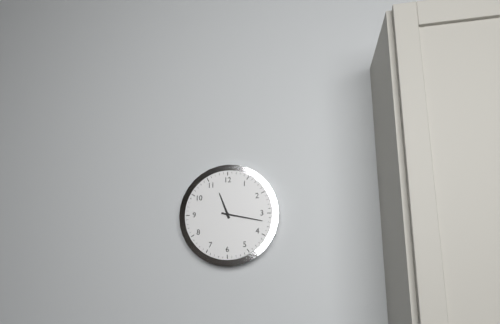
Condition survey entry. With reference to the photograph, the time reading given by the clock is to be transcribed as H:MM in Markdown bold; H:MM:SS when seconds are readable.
**11:17**
